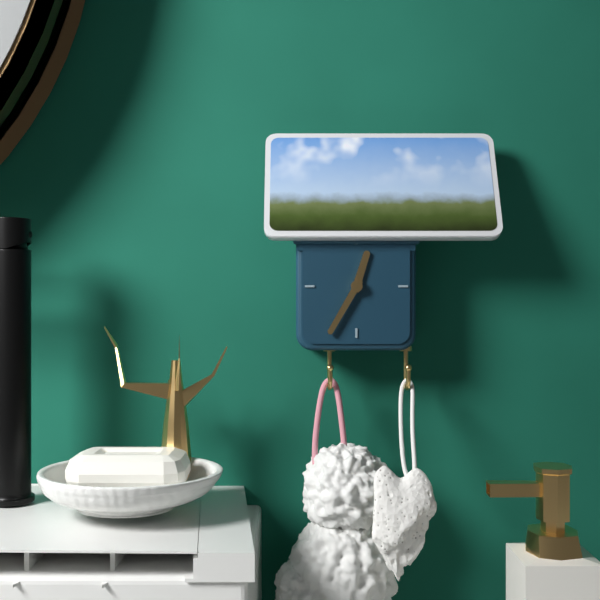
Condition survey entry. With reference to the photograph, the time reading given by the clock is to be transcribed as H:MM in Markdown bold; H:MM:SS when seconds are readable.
**12:35**
